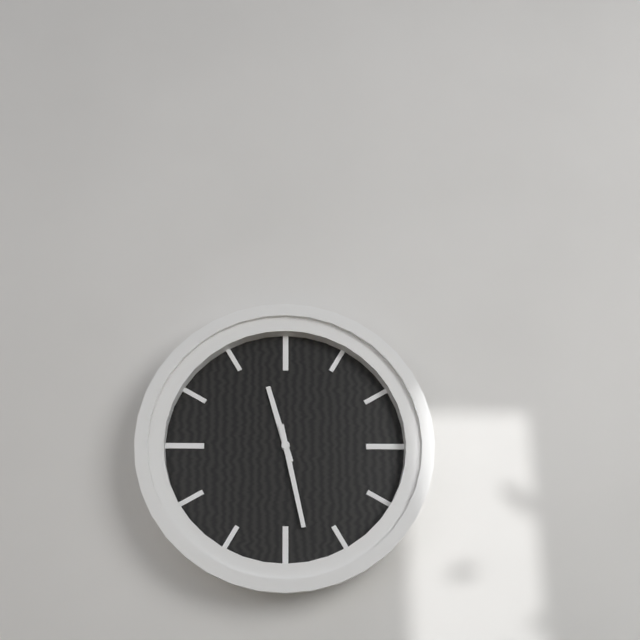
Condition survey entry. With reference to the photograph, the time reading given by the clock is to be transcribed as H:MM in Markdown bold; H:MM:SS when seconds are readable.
**11:28**
